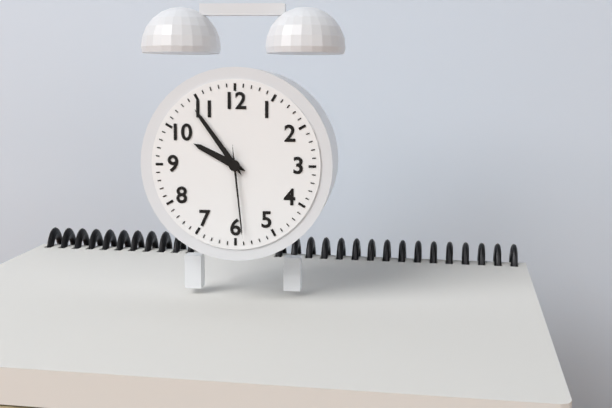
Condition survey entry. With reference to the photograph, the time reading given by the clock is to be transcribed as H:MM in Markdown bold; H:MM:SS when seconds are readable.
**9:54:29**
